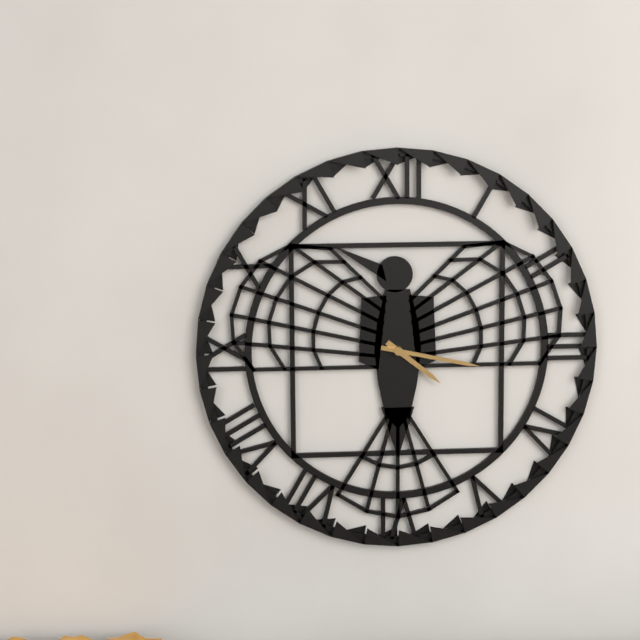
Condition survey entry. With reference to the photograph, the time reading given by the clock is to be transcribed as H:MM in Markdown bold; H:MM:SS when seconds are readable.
**4:17**
